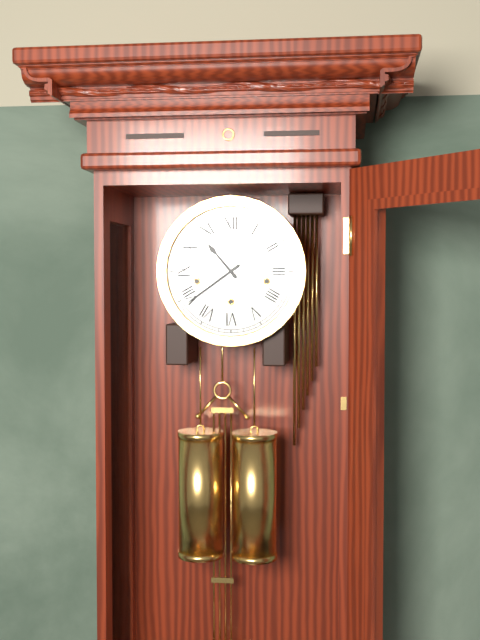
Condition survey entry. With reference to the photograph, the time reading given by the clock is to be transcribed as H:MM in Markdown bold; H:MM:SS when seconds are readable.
**10:39**
